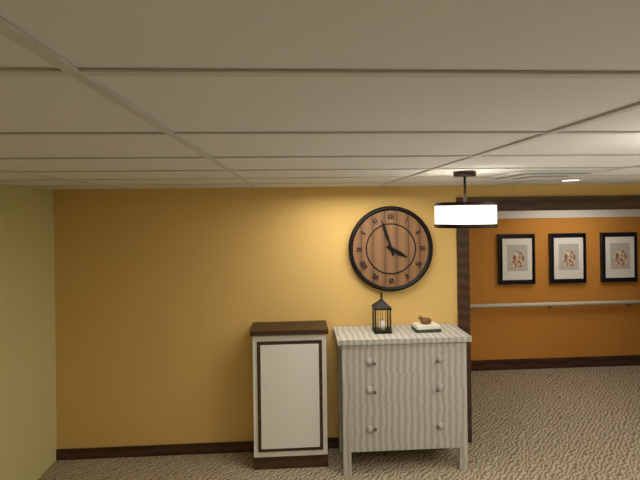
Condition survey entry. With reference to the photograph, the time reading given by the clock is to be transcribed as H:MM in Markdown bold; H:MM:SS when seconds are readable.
**3:57**
